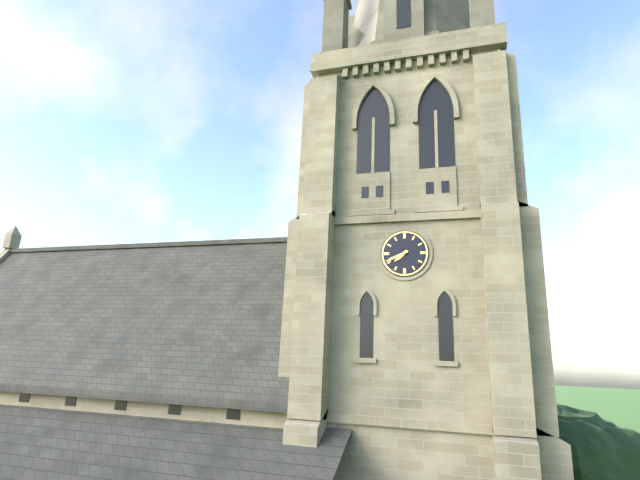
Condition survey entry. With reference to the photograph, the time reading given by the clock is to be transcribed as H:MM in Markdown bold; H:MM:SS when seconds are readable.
**7:41**
